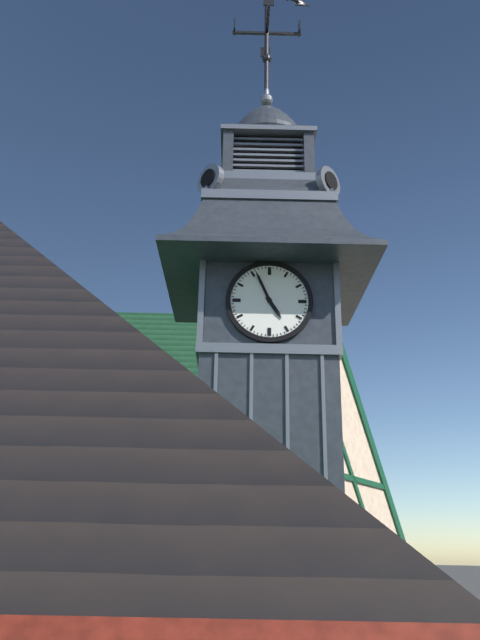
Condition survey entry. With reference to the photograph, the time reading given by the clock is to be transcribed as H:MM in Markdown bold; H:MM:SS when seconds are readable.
**4:56**
